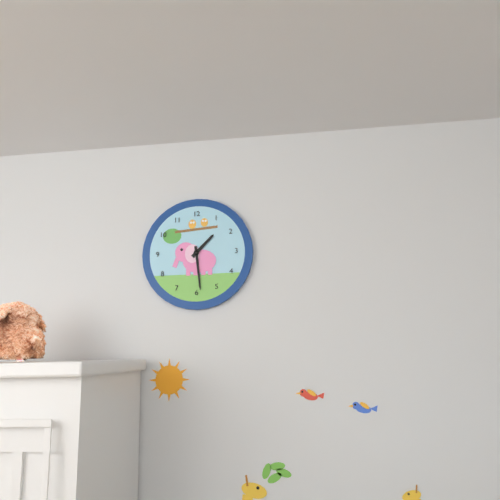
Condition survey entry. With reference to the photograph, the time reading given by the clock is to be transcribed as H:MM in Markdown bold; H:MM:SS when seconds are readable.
**1:29**
